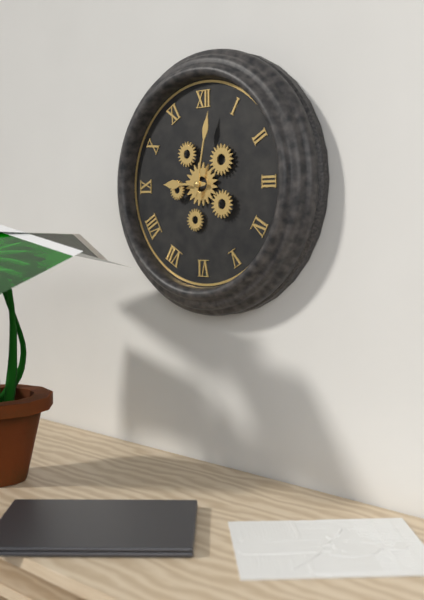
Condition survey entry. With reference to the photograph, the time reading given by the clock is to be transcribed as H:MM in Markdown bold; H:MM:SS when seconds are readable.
**9:02**
